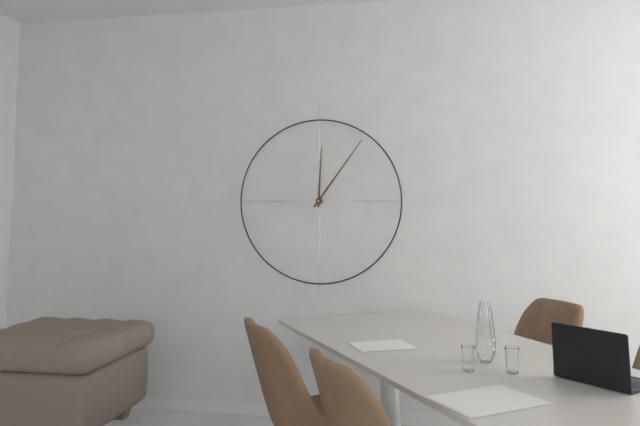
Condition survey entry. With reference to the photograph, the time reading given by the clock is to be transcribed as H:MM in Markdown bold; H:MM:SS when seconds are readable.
**12:06**
